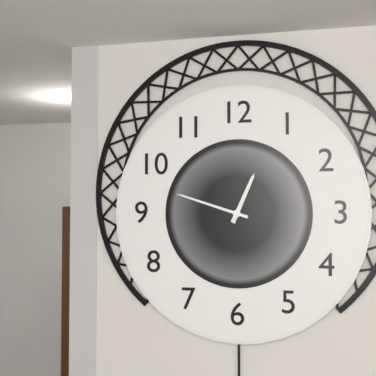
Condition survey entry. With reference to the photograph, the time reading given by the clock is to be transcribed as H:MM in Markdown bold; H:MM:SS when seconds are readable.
**12:48**
